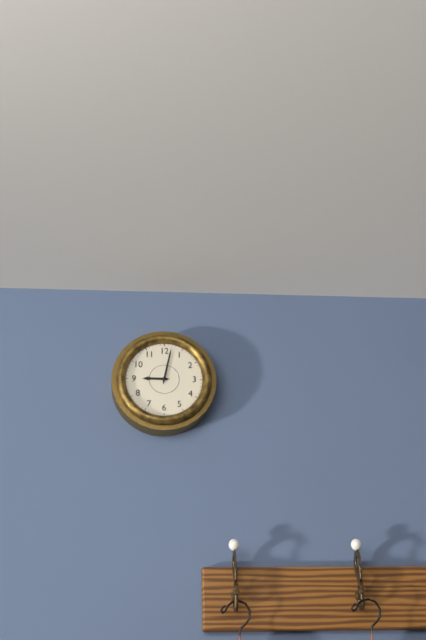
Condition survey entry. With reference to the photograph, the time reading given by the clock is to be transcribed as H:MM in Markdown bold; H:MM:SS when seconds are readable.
**9:02**
